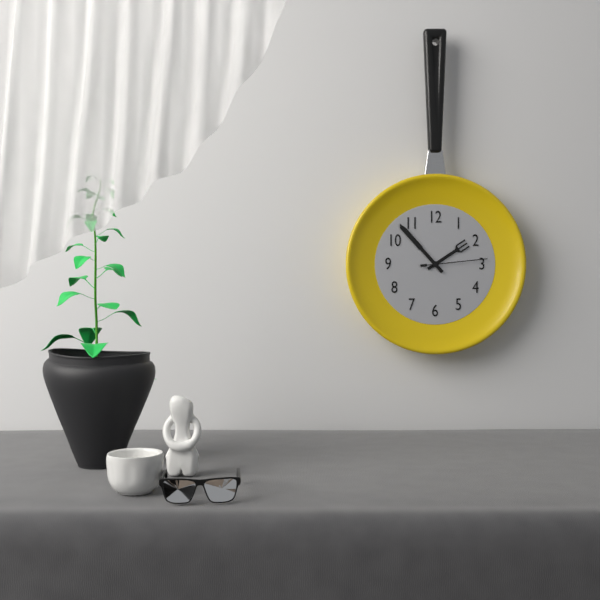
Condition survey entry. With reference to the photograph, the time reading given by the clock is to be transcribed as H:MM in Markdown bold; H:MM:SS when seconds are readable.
**1:53:14**
